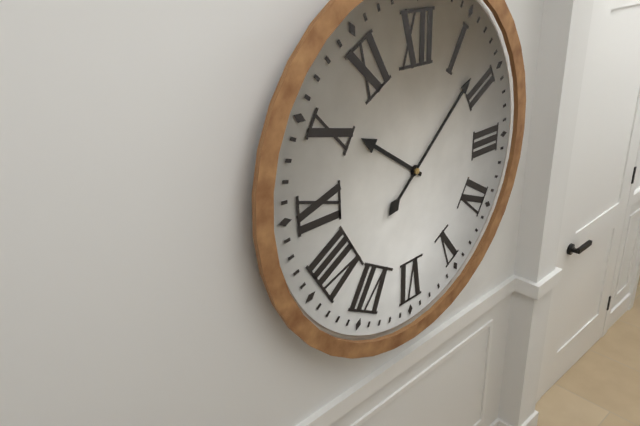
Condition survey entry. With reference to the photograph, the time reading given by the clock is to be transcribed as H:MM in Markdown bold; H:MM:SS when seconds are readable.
**10:08**
